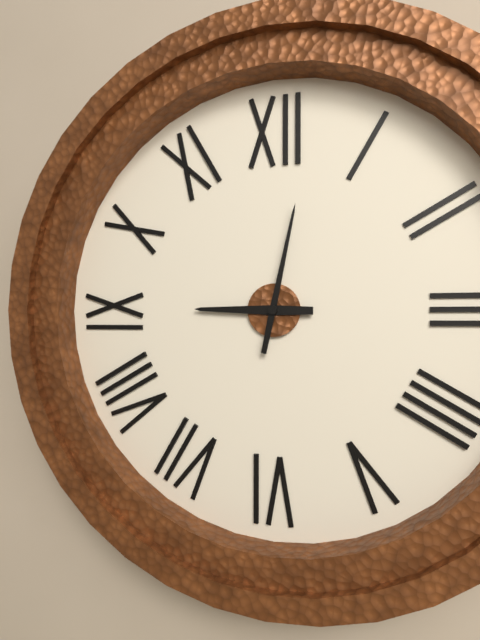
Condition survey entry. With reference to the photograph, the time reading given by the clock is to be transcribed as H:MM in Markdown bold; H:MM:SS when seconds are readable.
**9:02**
